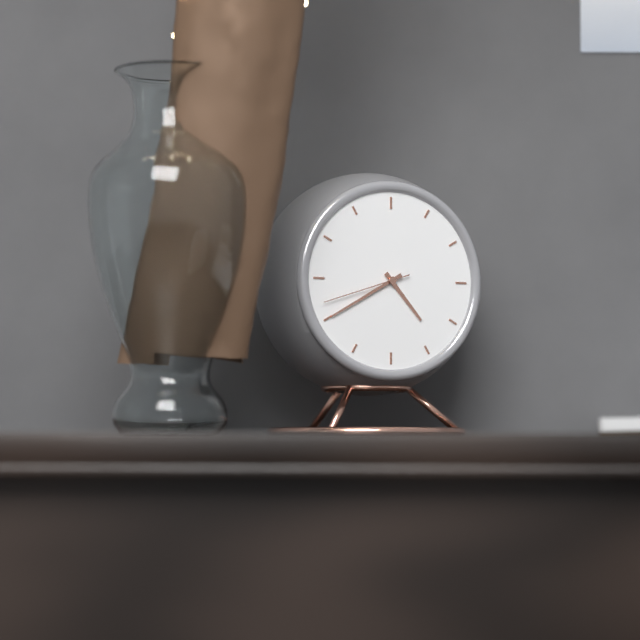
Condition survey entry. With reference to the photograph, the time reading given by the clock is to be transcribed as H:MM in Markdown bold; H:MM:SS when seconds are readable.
**4:40:42**
